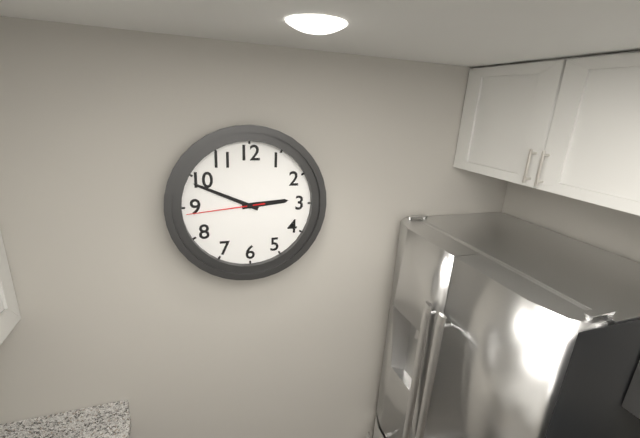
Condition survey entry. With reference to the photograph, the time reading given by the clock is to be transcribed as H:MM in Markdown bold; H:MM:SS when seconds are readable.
**2:49:44**
